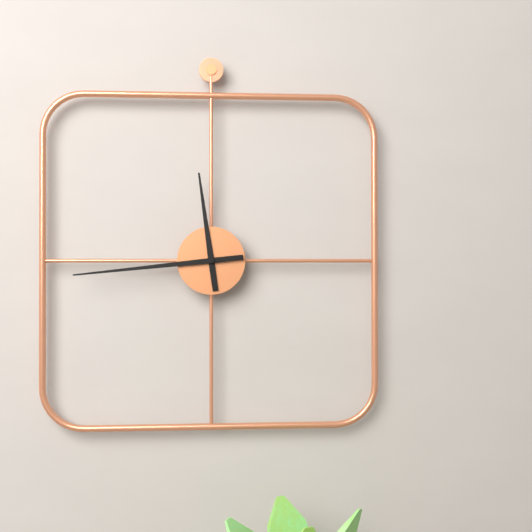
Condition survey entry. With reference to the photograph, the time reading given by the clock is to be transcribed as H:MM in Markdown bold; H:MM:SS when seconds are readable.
**11:44**
